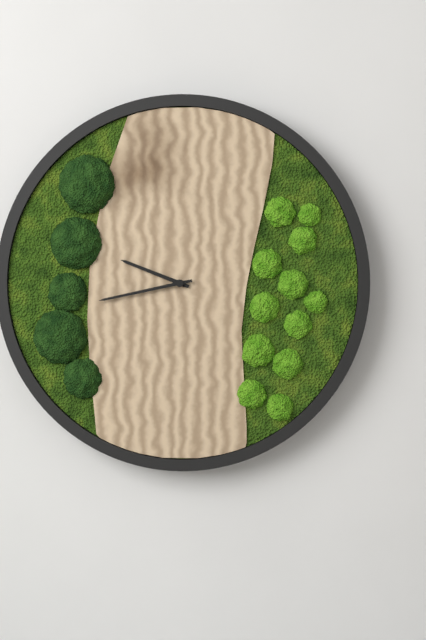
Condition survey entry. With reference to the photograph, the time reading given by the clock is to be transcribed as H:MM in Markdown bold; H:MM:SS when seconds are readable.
**9:43**
